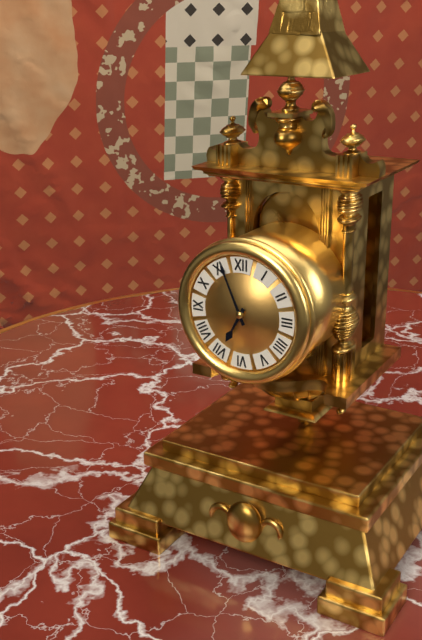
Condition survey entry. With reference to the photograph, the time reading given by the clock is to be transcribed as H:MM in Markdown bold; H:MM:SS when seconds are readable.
**6:56**
